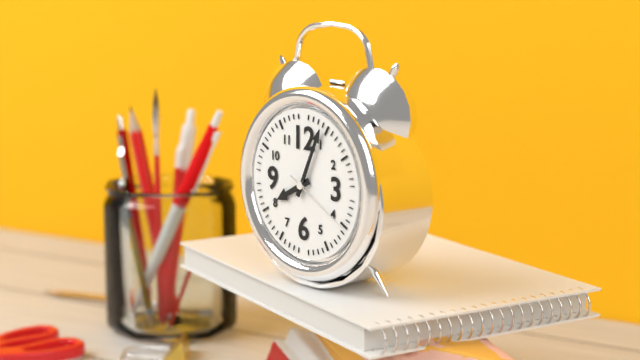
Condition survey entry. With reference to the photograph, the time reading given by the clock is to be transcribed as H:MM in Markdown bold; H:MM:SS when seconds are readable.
**8:04:20**
